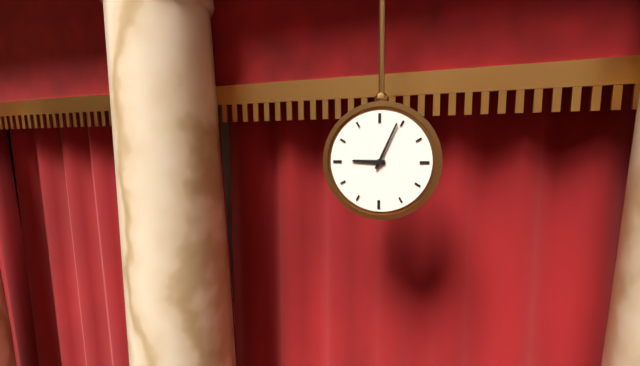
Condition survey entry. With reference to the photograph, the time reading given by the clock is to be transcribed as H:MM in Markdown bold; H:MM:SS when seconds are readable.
**9:04**
